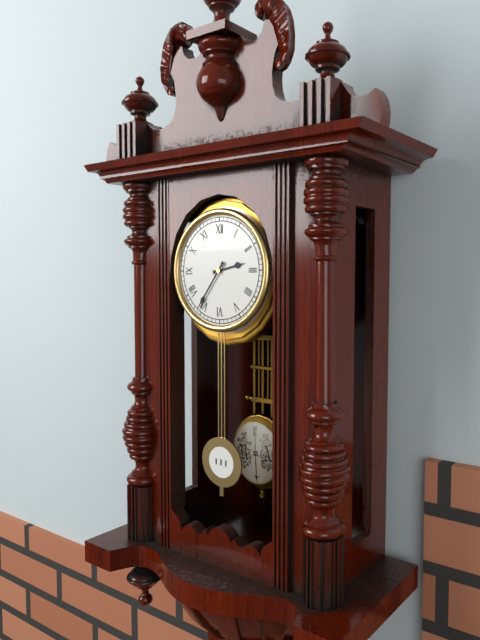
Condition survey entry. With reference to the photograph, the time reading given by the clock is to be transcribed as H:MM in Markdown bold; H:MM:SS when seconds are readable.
**2:36**
